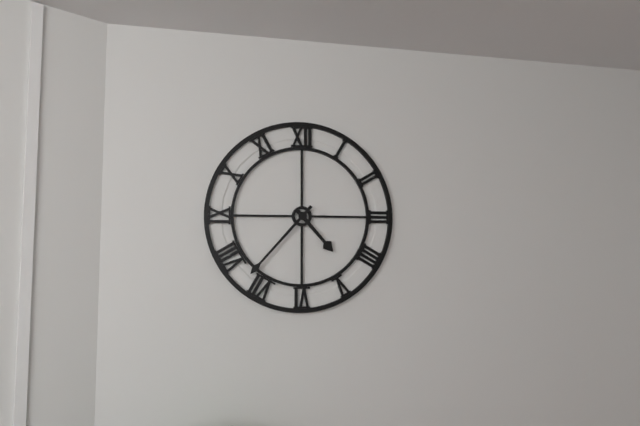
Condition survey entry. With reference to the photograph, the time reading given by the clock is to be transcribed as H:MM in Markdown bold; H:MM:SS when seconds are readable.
**4:37**
